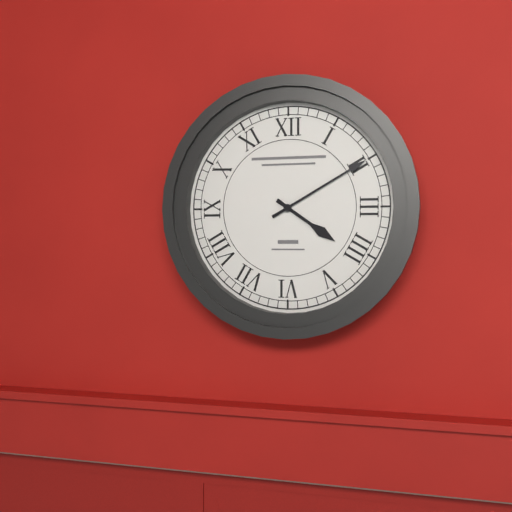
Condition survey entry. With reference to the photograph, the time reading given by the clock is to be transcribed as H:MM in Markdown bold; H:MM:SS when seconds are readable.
**4:10**
